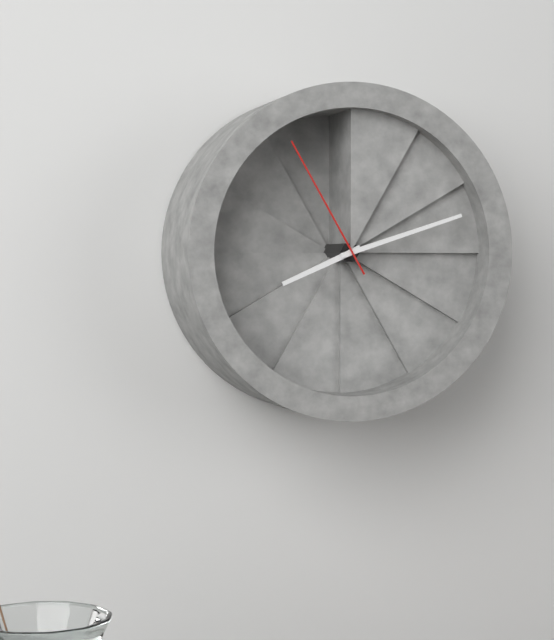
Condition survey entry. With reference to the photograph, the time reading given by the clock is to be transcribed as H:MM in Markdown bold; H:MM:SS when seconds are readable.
**8:12:55**
